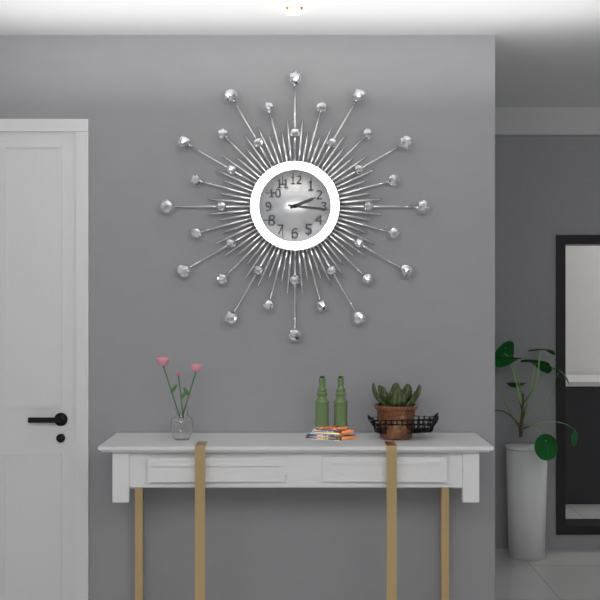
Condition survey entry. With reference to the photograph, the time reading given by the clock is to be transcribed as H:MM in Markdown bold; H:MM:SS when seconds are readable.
**2:16**
